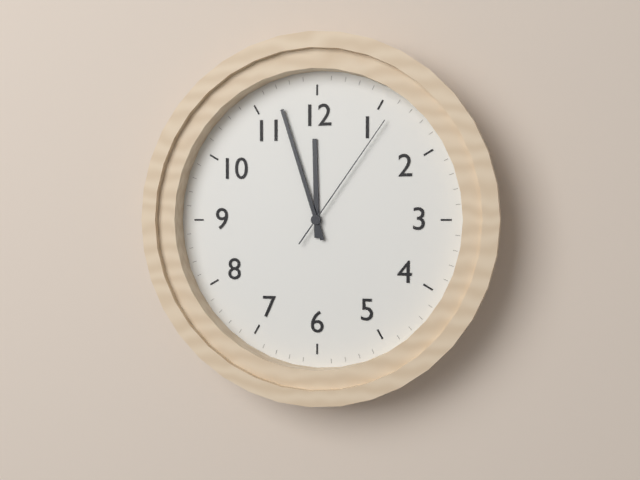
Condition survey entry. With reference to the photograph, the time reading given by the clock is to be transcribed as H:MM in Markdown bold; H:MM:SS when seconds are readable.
**11:57:06**
